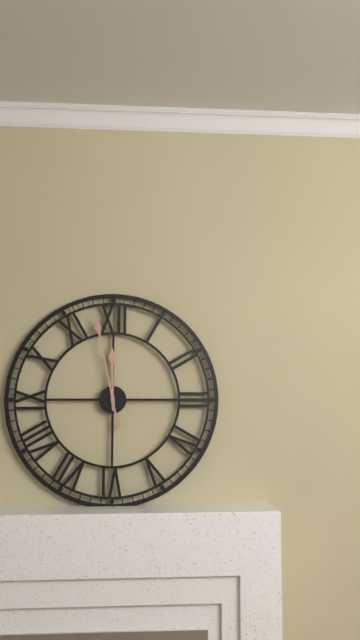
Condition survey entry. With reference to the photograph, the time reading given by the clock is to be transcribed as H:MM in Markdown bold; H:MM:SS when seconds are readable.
**11:58**
